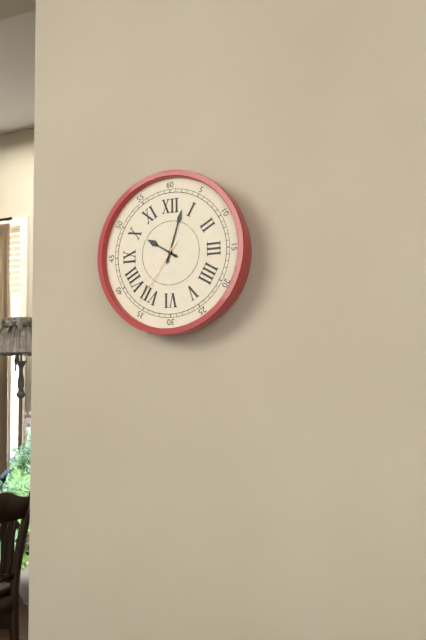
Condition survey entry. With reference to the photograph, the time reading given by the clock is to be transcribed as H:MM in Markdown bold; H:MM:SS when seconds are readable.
**10:03:36**
